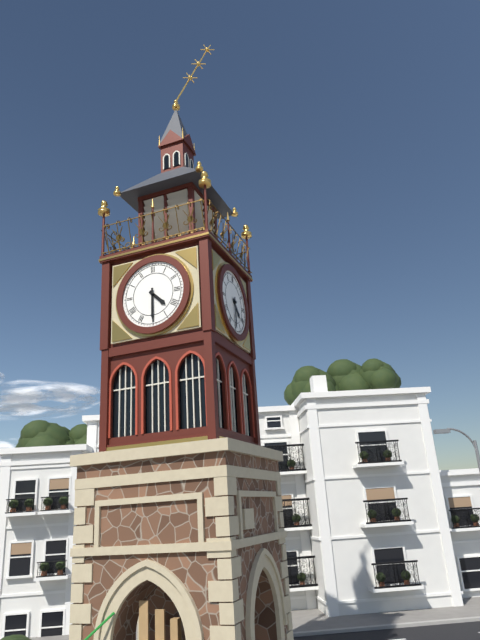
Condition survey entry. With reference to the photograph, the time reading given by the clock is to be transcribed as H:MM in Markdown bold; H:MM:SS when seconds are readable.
**4:30**
